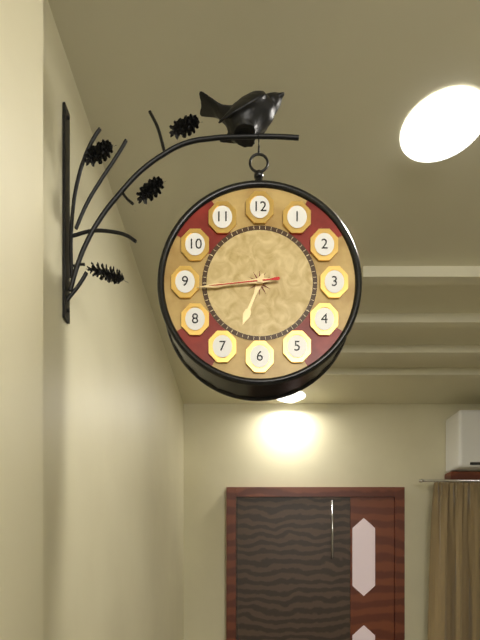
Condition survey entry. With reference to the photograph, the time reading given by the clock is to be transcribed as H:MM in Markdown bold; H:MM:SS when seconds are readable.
**6:44:44**
